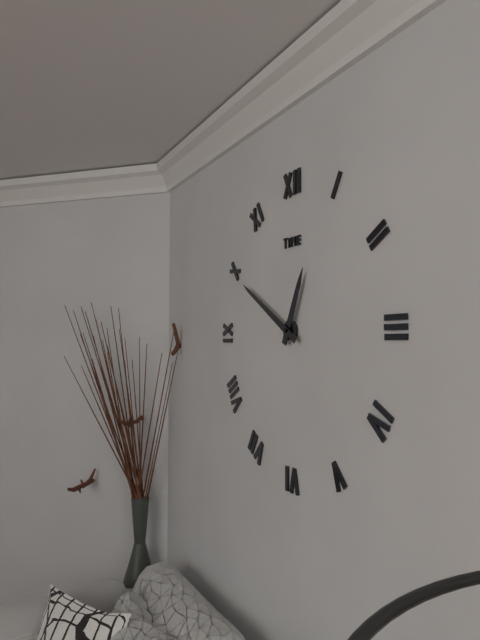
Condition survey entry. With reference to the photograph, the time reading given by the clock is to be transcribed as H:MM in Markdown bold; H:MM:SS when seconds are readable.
**12:50**
